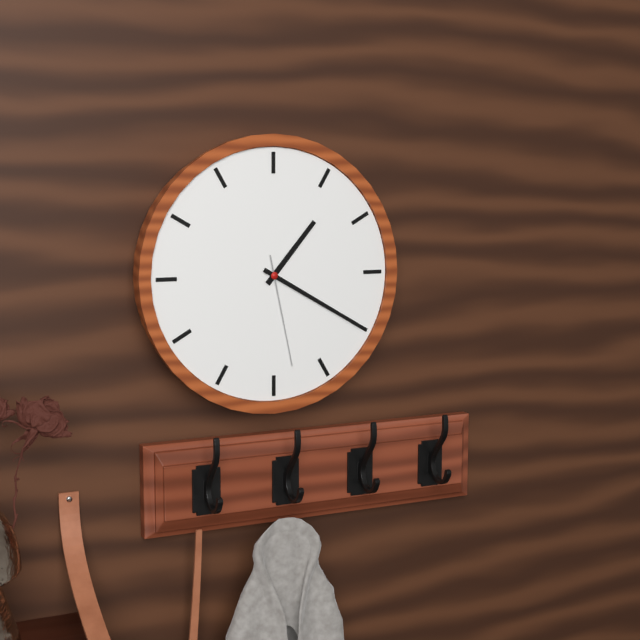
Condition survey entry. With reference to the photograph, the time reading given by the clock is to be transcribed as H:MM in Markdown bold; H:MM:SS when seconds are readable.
**1:20:28**
